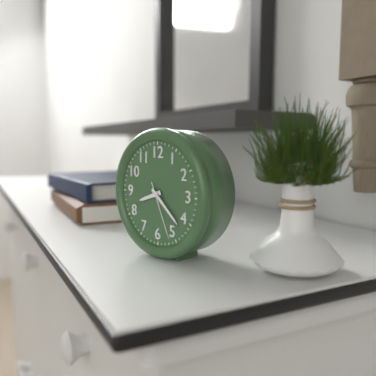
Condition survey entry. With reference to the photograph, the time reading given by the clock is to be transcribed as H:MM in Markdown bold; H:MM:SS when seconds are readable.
**8:22:26**
